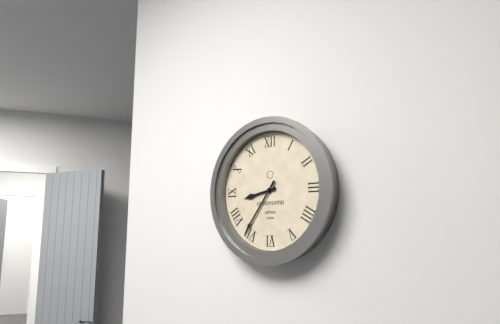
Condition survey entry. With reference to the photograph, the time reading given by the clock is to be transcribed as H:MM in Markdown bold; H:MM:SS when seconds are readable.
**8:36**
